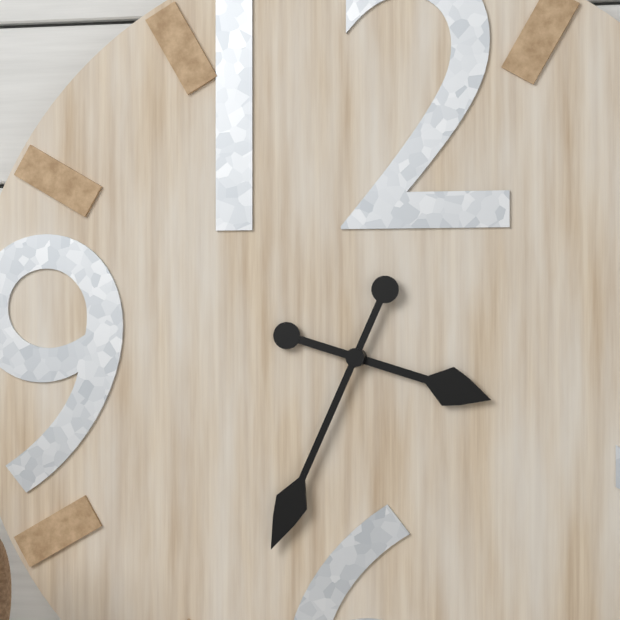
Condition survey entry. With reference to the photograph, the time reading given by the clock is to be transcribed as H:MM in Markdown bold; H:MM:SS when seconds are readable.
**3:34**
